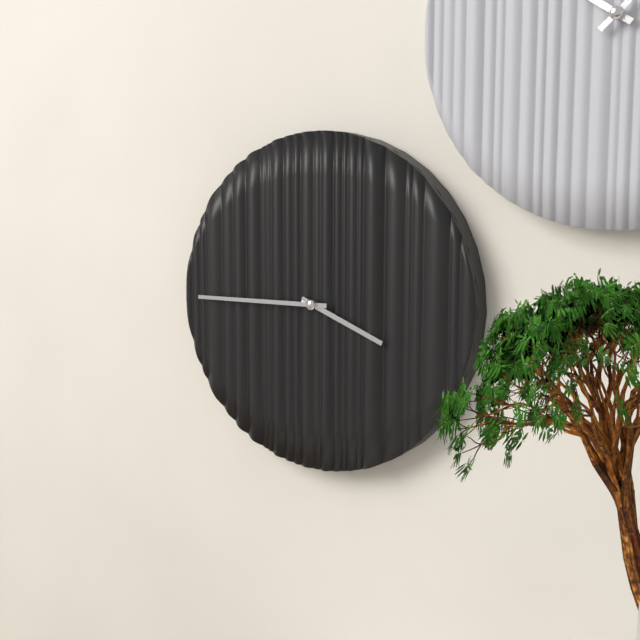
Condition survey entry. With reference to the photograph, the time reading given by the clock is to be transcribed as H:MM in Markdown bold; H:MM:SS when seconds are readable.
**3:45**
